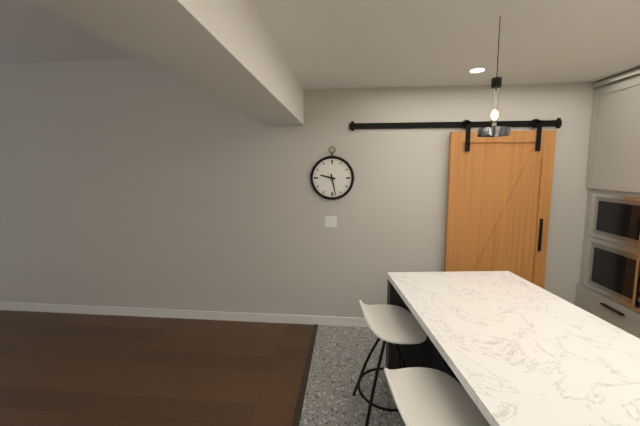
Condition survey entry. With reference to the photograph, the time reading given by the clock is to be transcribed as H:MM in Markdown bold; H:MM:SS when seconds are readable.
**9:28**
